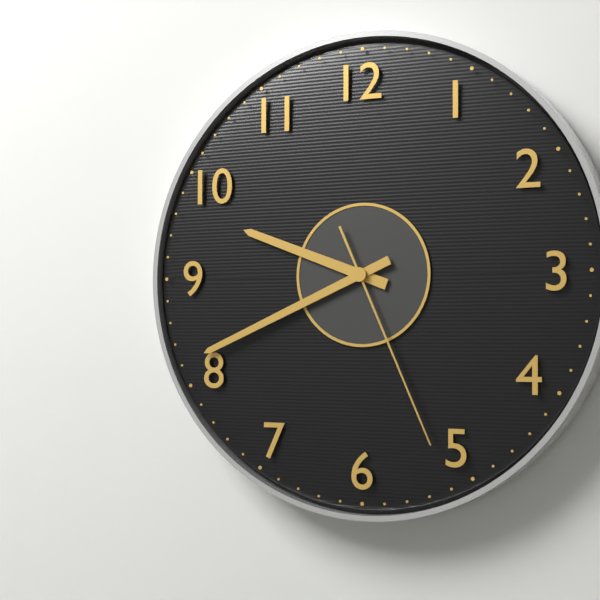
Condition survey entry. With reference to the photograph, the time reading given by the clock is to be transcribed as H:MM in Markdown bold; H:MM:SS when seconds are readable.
**9:41:26**
